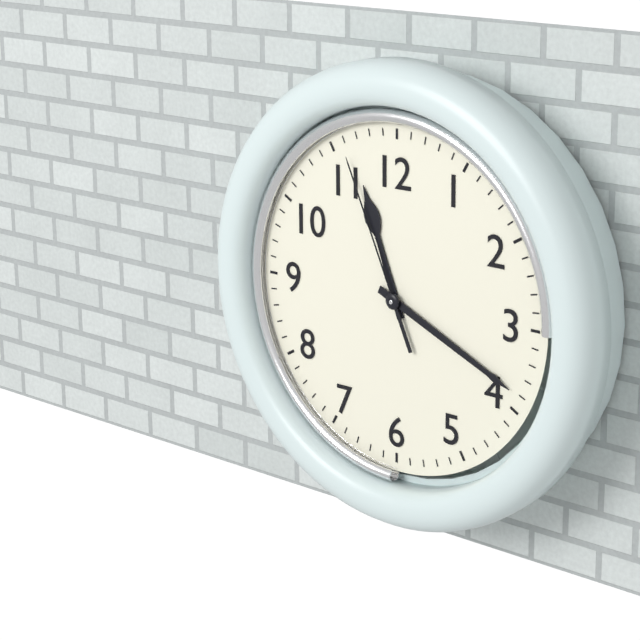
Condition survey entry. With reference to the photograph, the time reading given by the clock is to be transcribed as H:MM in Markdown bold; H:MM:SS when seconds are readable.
**11:19:56**
